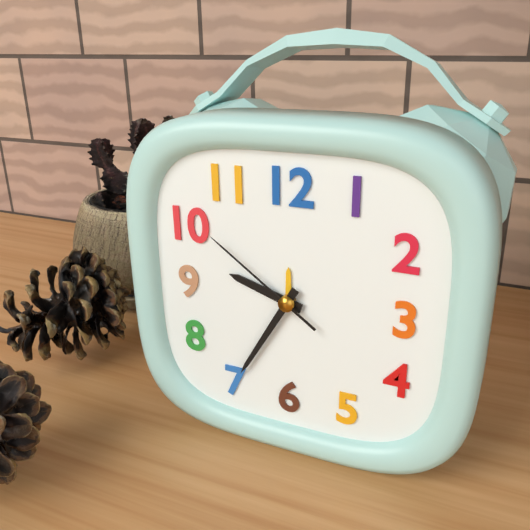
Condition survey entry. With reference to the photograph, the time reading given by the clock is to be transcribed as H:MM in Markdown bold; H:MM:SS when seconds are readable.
**9:35:51**
